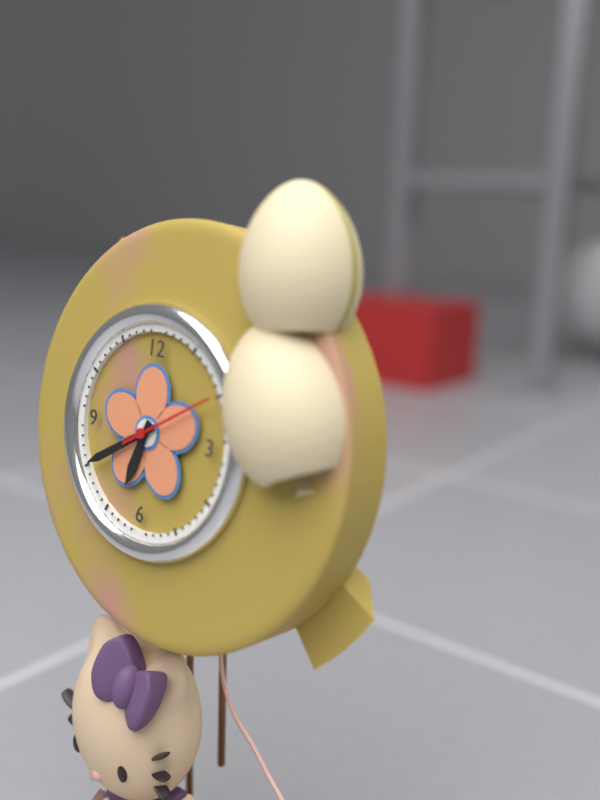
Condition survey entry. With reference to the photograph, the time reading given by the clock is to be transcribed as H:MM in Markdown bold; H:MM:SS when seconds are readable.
**6:40**
